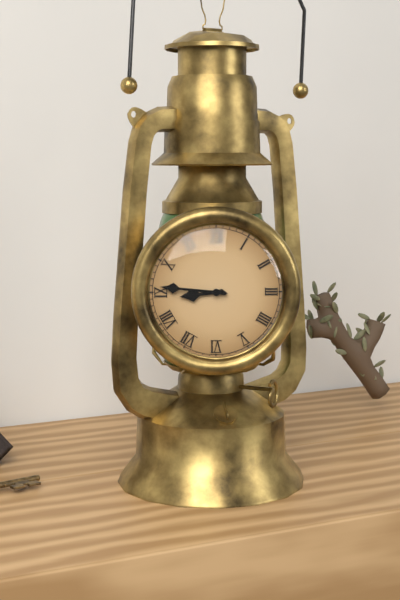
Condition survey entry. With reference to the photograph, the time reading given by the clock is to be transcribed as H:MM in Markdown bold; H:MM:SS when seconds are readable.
**8:46**
